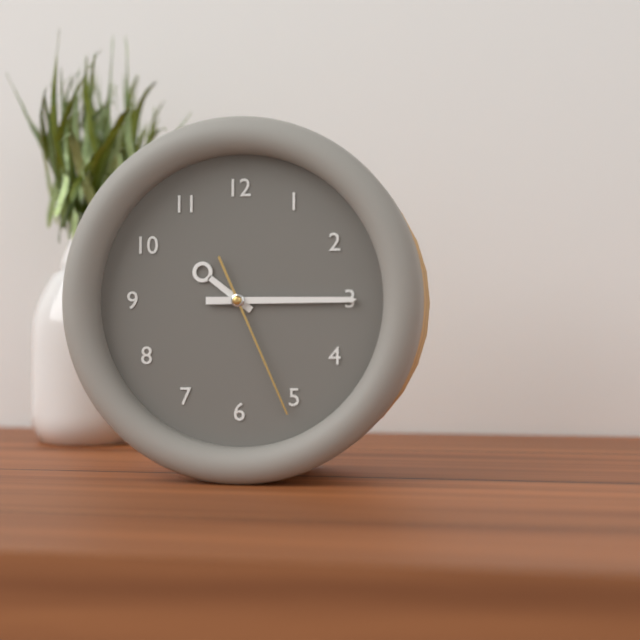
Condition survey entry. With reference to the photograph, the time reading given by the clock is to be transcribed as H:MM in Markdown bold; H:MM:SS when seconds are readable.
**10:15:26**
